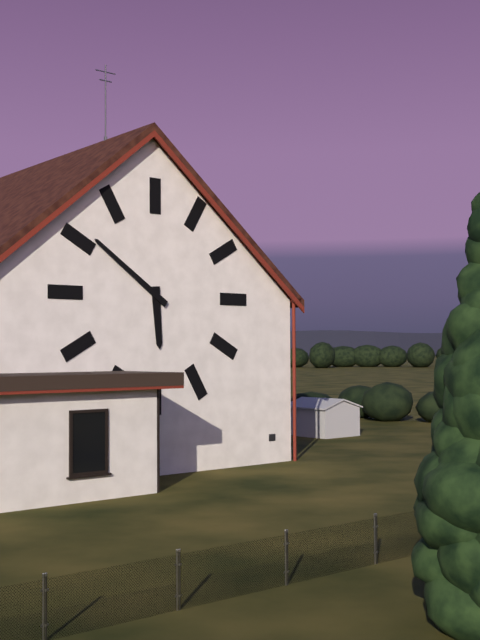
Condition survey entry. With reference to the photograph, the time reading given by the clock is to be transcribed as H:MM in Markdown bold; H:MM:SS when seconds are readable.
**5:51**
